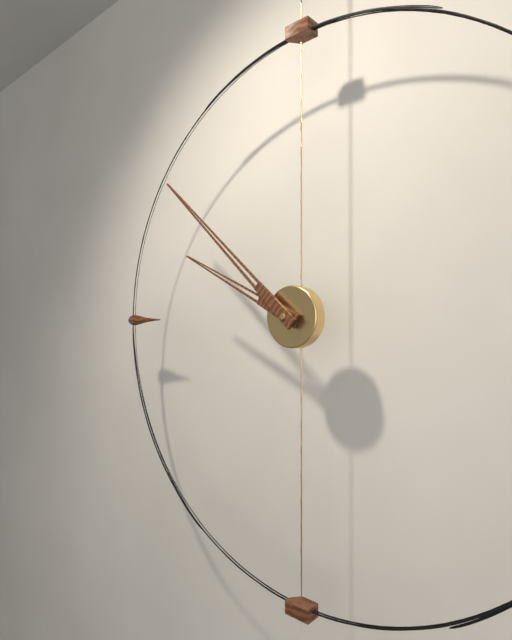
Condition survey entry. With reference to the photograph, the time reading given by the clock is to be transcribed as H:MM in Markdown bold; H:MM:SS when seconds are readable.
**9:52**
